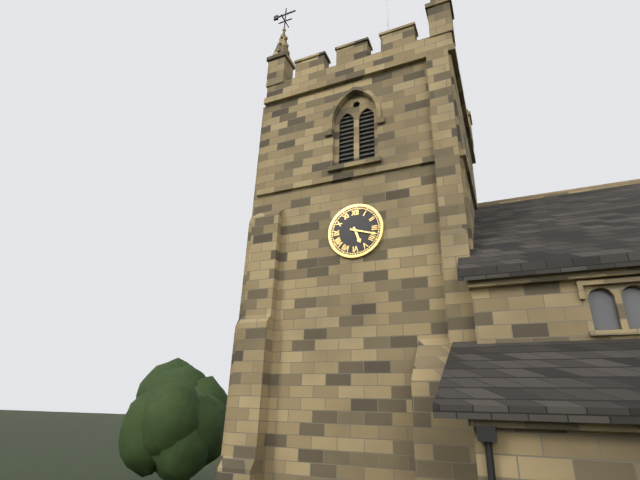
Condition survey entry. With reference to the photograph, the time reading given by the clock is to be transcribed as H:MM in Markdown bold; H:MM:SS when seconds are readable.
**5:18**
